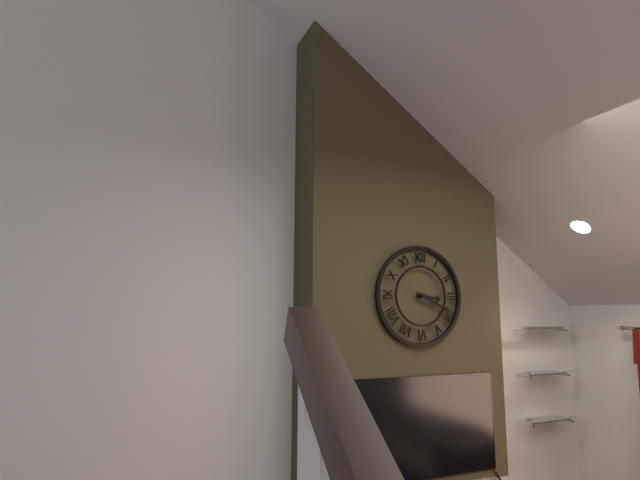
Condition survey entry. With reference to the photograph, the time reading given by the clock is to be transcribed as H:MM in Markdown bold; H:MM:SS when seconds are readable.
**3:19**
